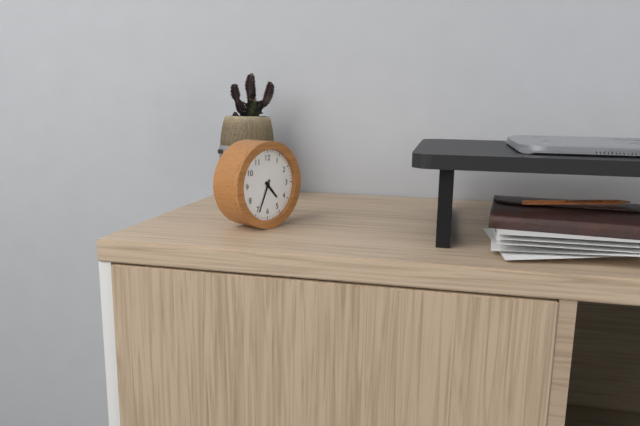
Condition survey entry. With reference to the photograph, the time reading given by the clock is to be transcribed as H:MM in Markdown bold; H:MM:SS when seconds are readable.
**4:34**
